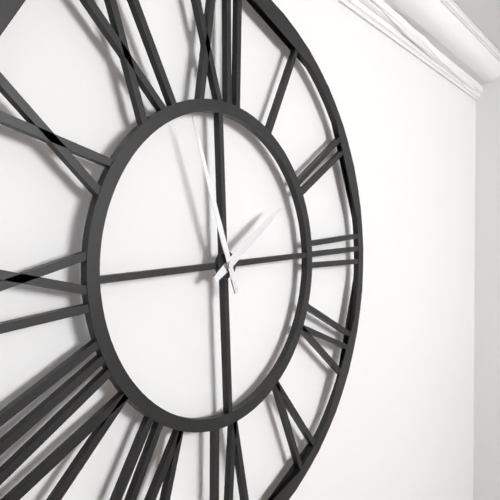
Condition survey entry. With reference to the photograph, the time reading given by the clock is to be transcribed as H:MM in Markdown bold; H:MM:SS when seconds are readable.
**1:57**
